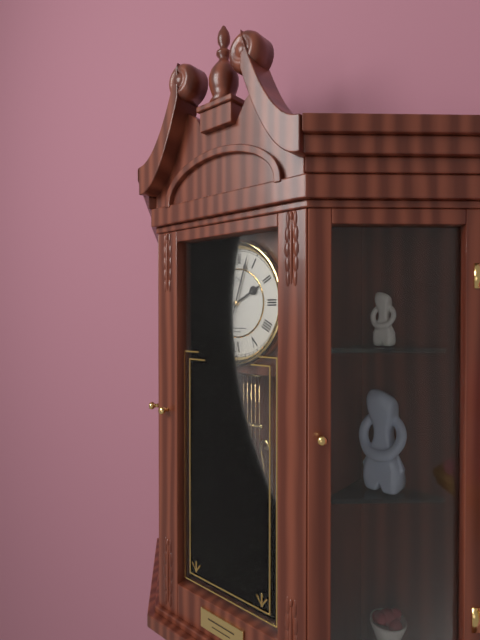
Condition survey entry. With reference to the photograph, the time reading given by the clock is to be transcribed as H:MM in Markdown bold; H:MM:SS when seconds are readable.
**2:03**
